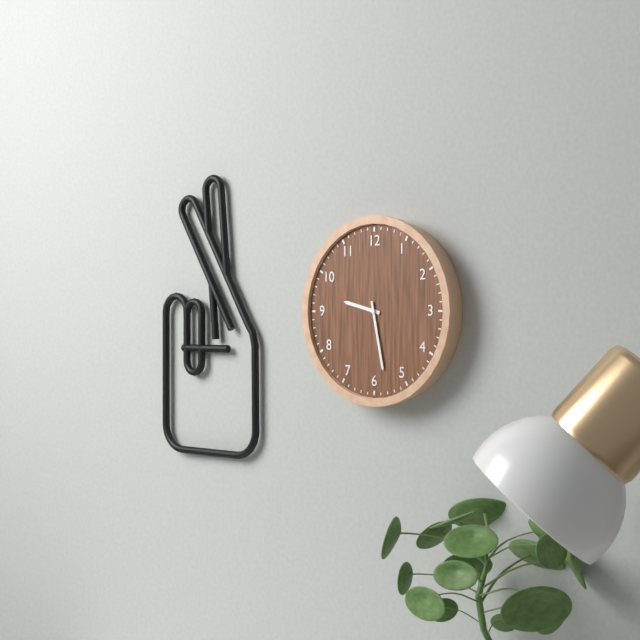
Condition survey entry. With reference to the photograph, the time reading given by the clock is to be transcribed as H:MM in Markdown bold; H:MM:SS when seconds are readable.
**9:28**
